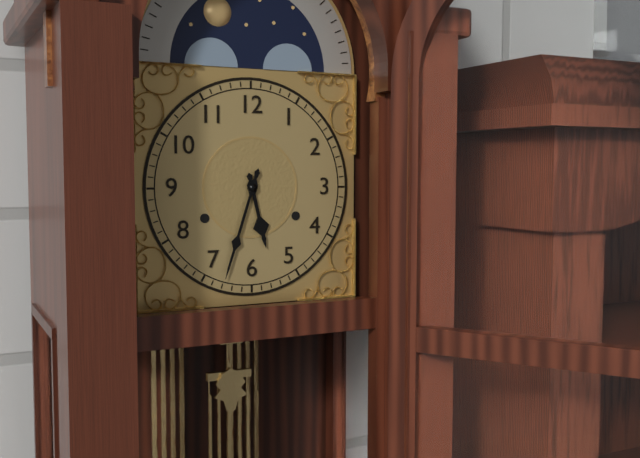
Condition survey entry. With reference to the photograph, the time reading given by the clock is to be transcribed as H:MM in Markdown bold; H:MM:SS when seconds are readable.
**5:33**
